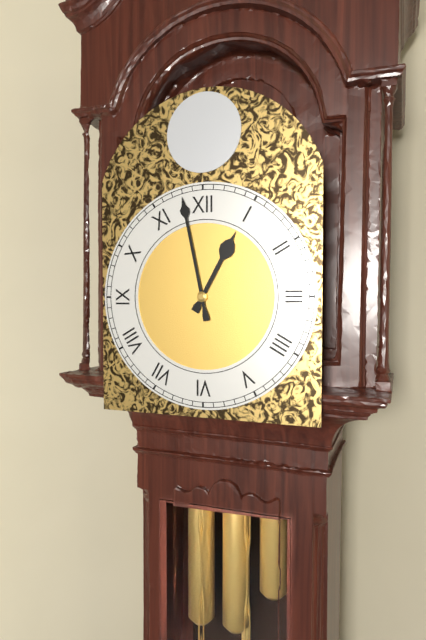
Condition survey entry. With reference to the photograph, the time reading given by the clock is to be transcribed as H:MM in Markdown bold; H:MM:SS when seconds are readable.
**12:58**
